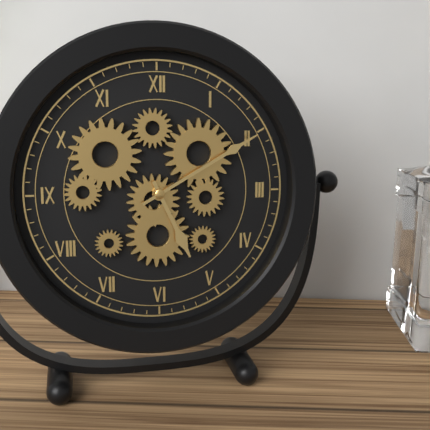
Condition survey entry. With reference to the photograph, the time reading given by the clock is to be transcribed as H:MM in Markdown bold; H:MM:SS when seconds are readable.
**5:10**
